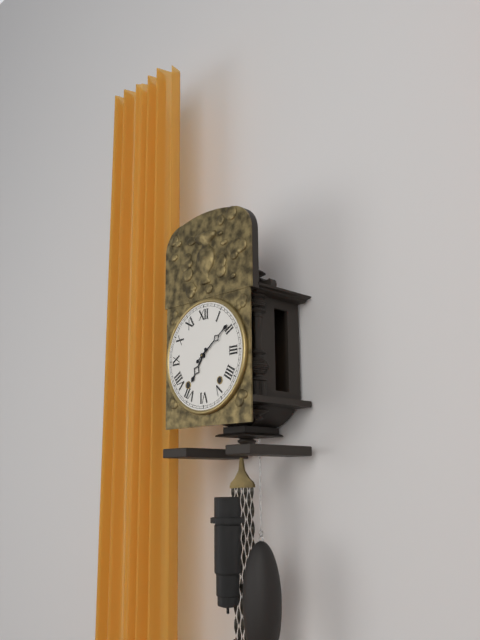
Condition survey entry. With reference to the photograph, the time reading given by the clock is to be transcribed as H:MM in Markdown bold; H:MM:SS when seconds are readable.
**7:09**
